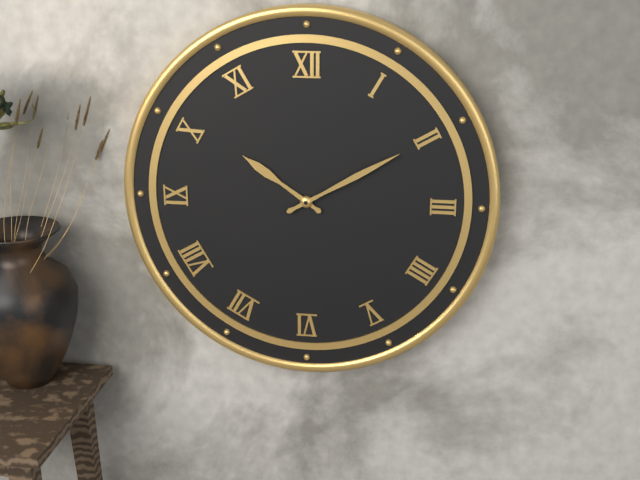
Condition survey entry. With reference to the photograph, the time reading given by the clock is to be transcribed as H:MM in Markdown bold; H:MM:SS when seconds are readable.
**10:10**
